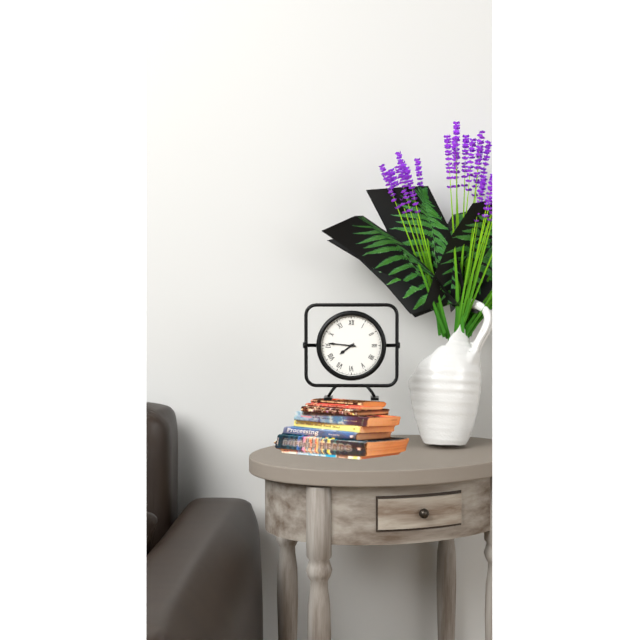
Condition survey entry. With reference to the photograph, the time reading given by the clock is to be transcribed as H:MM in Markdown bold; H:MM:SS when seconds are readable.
**7:46**
